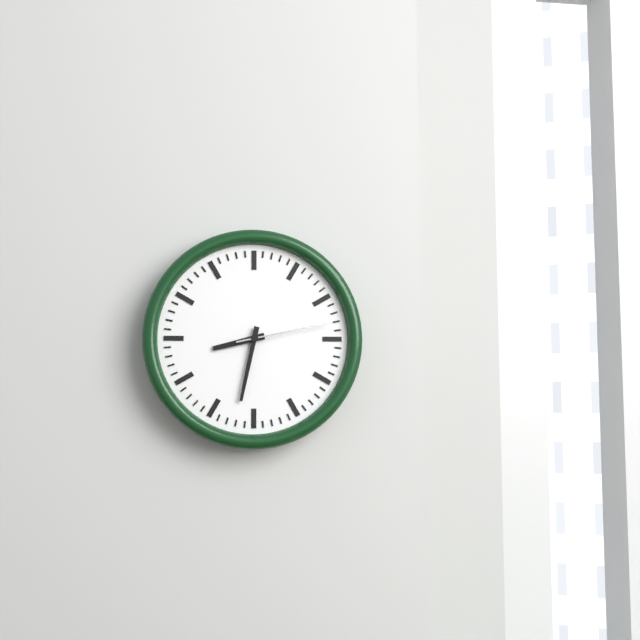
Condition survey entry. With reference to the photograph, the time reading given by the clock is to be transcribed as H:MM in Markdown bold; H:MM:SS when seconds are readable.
**8:32:13**
